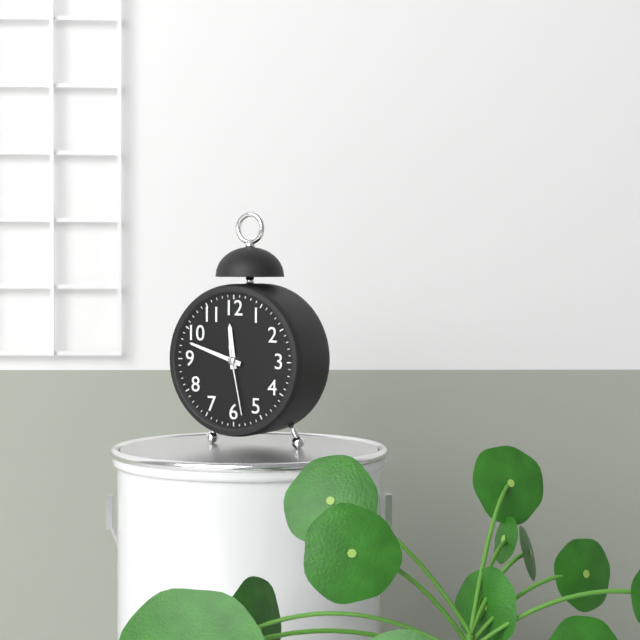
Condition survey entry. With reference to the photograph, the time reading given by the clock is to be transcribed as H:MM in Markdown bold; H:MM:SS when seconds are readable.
**11:48:28**
